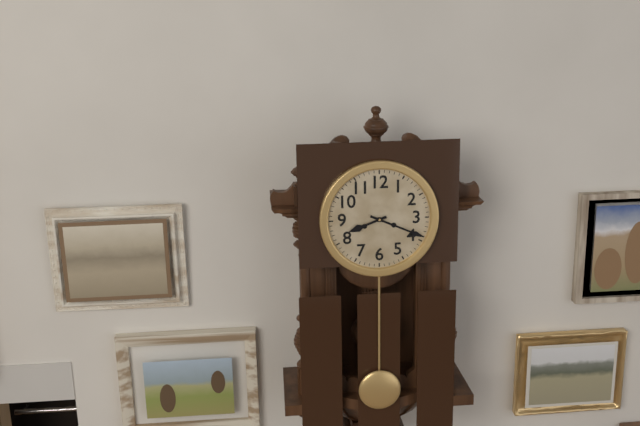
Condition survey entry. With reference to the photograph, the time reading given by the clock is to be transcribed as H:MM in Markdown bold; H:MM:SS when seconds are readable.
**8:19**
